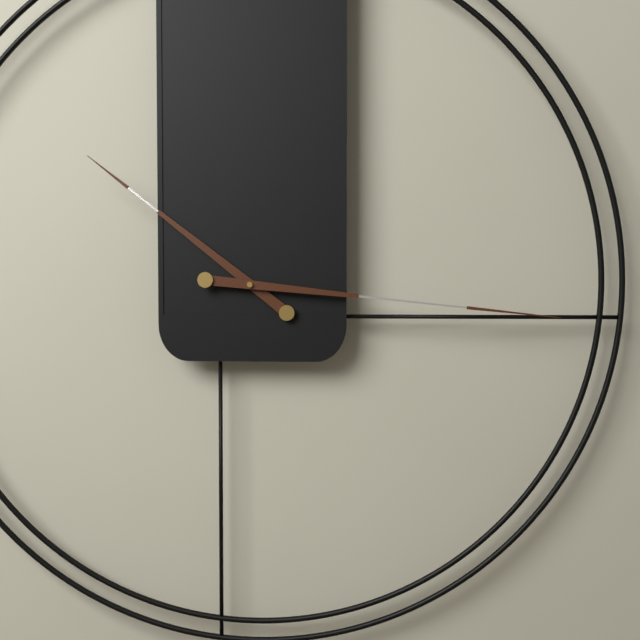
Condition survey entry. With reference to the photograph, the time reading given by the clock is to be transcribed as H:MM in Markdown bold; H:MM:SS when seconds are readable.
**10:16**
